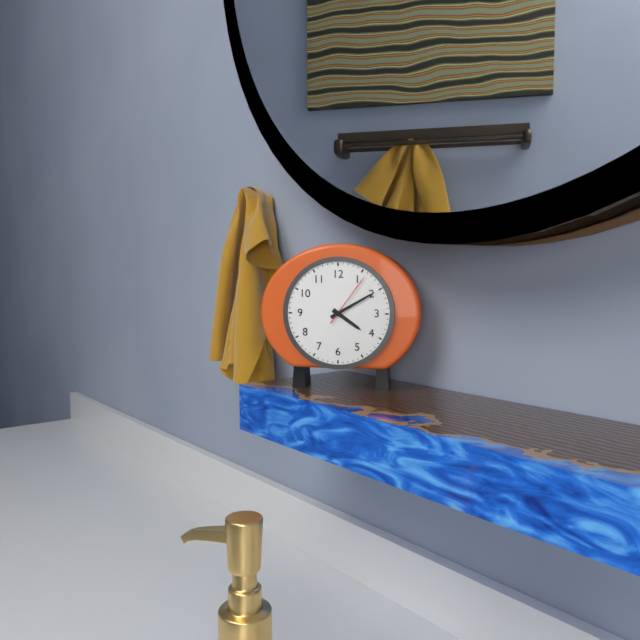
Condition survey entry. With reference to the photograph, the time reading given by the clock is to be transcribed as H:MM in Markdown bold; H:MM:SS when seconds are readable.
**4:10:06**
